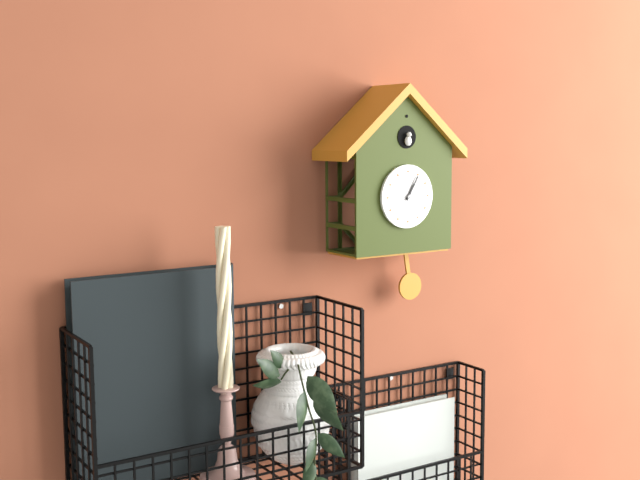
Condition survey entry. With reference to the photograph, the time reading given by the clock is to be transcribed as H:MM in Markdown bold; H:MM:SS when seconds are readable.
**1:05**
